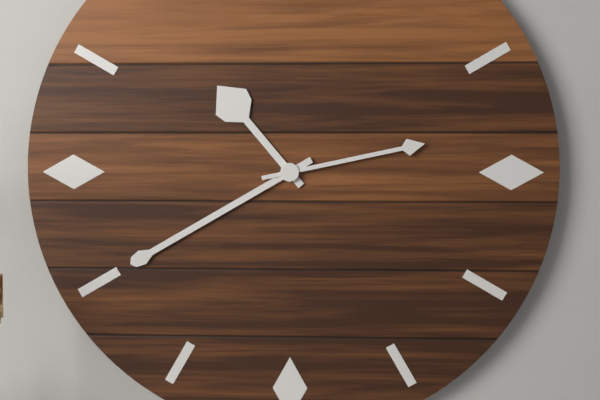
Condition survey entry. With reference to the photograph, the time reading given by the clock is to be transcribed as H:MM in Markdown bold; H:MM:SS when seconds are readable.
**10:40:13**
